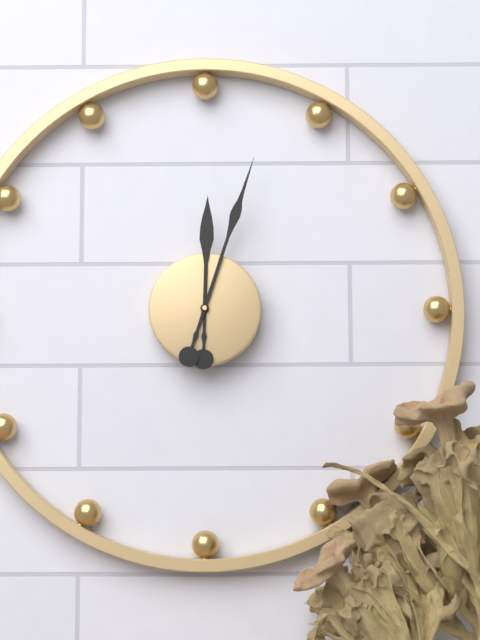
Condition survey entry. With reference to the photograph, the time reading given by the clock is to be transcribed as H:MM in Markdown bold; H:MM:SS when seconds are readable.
**12:03**
